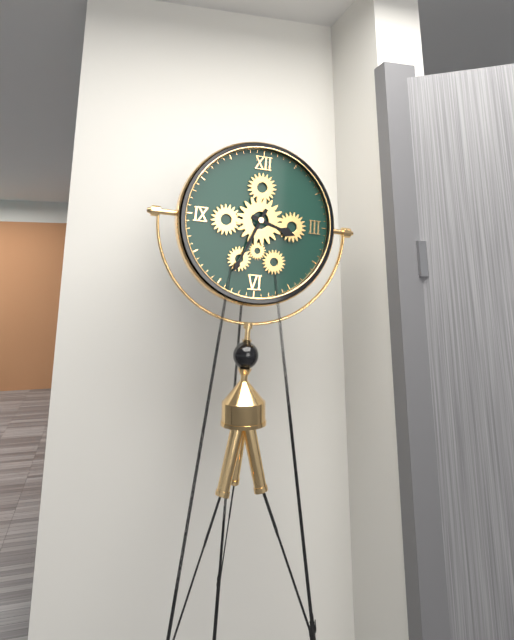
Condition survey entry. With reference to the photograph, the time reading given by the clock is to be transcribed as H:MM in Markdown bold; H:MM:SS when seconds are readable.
**3:34**
